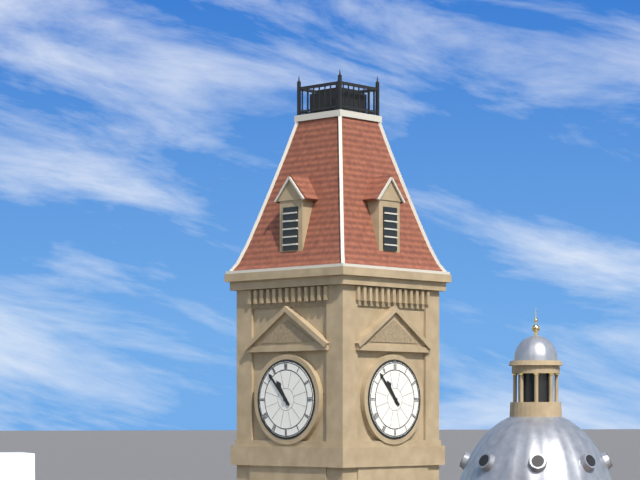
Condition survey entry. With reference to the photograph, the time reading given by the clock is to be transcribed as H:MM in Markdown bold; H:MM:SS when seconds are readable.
**10:53**
